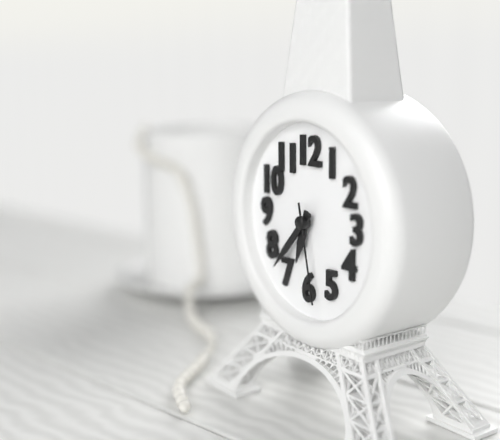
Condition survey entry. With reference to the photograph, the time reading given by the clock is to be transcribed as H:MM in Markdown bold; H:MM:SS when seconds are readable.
**6:37:28**
